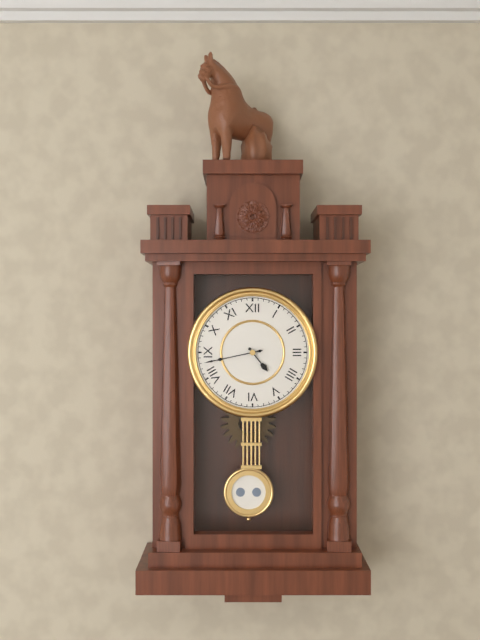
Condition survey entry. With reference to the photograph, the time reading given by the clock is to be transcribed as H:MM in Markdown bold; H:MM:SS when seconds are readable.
**4:43**
